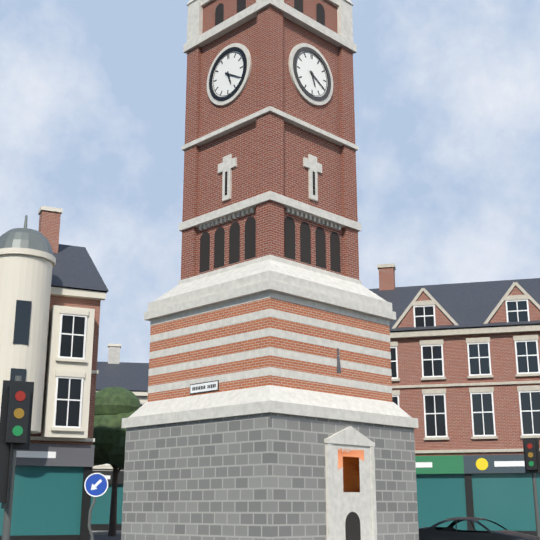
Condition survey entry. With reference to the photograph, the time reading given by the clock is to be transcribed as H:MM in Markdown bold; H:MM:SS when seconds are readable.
**5:20**
